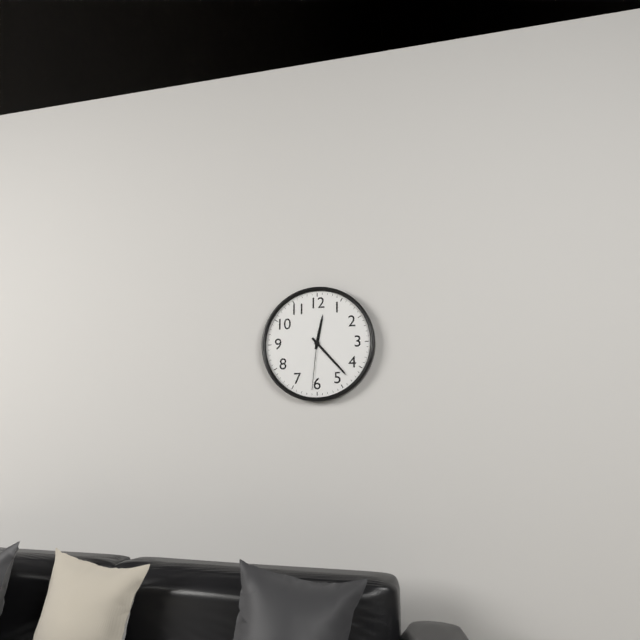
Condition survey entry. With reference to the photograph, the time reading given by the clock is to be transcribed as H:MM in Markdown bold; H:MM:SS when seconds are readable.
**12:23:31**
